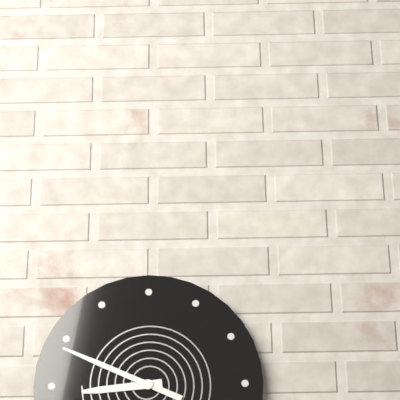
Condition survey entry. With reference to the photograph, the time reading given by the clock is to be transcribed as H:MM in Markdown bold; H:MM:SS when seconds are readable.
**8:49**
